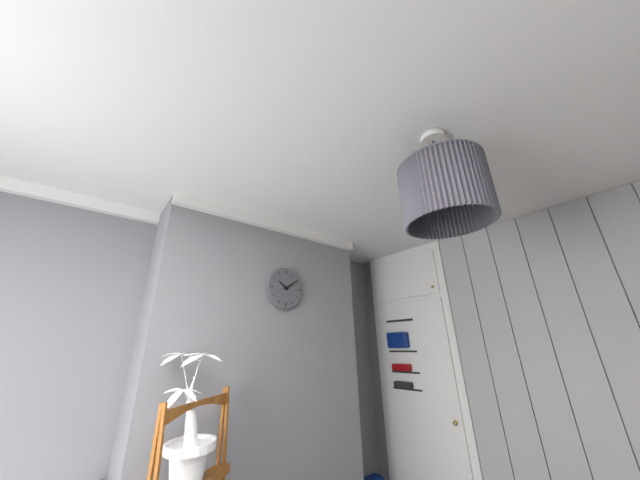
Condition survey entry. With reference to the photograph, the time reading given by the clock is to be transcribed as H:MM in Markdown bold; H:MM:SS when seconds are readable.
**10:09**
